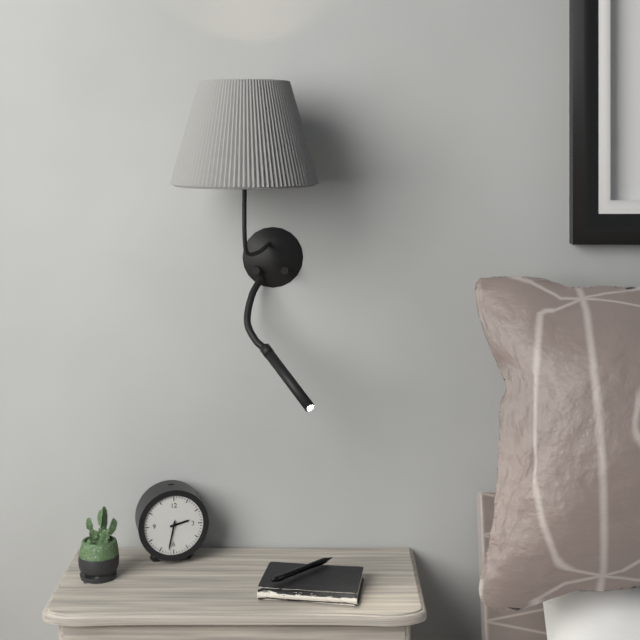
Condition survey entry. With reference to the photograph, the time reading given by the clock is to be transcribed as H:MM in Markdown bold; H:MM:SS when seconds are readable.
**2:32**
